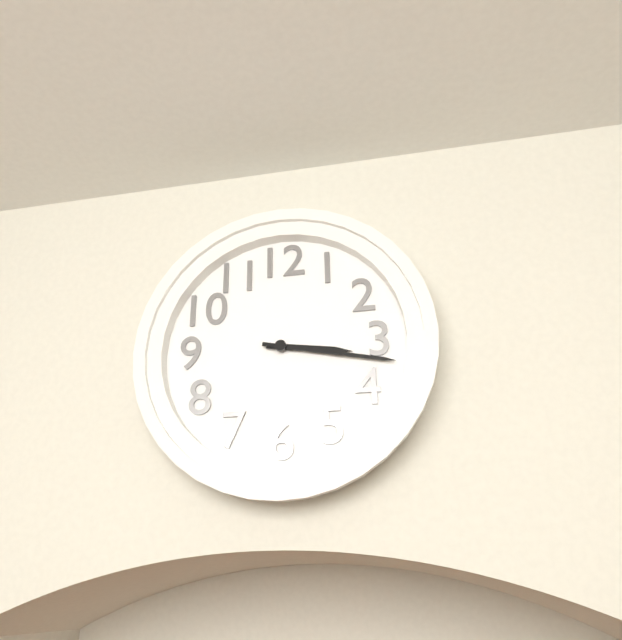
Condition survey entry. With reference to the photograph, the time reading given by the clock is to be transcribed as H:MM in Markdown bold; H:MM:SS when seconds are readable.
**3:17**
